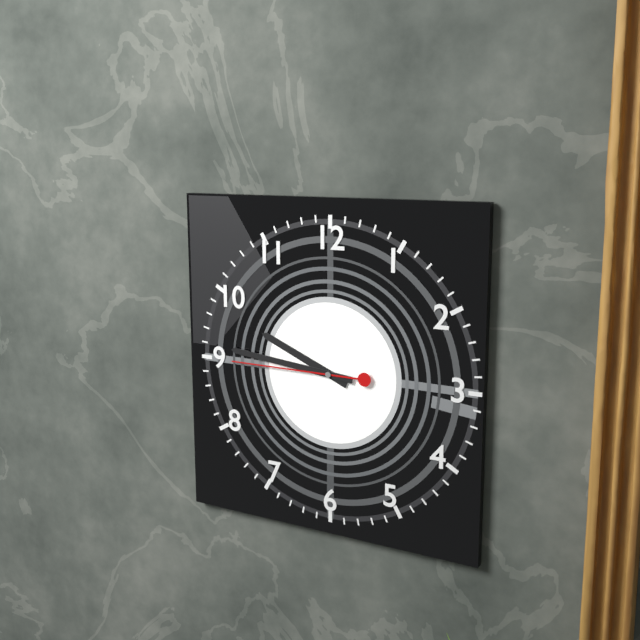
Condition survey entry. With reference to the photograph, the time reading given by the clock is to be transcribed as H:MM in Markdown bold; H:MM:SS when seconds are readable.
**9:46:45**
